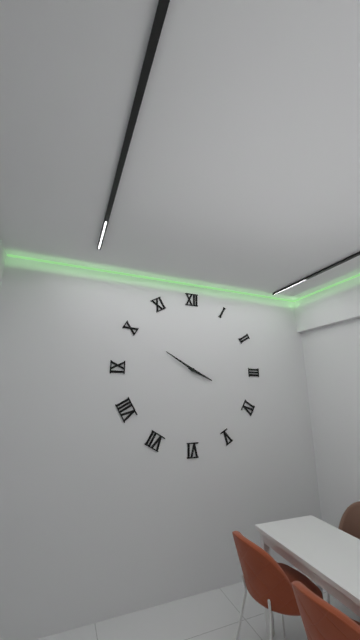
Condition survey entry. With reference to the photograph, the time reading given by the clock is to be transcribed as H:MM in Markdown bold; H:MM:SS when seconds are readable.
**3:50**
